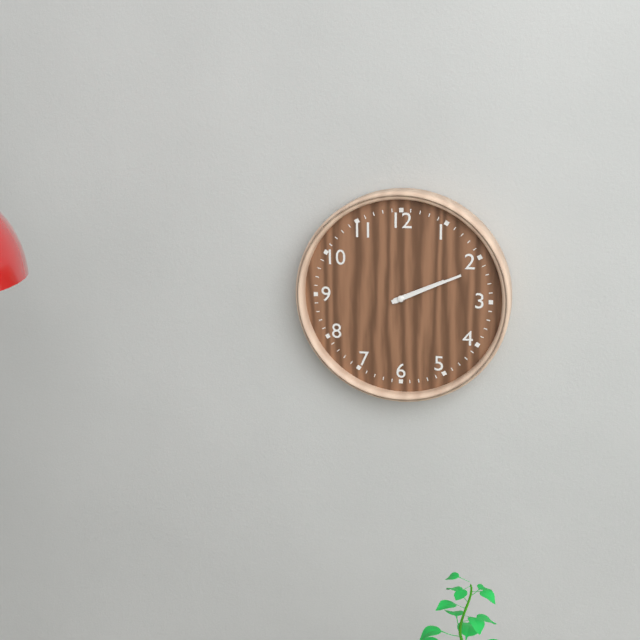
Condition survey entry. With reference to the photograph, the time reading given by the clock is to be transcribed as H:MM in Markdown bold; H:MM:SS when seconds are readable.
**2:11**
